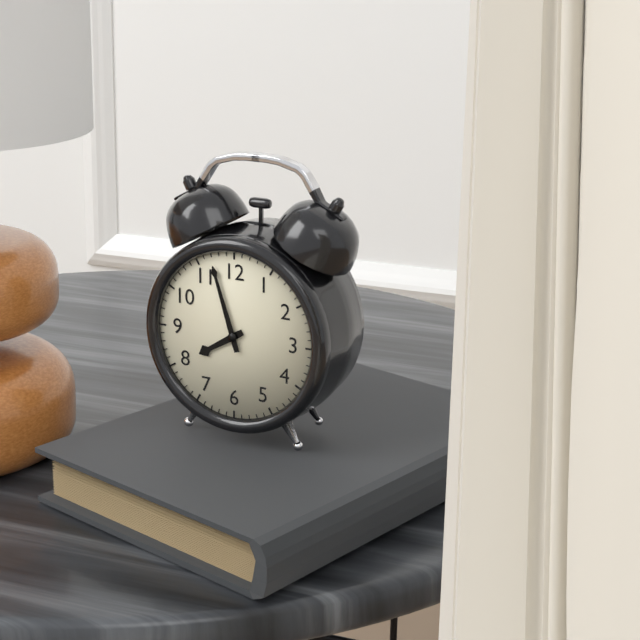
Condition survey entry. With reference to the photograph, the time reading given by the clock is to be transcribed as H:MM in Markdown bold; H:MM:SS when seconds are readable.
**7:57**
